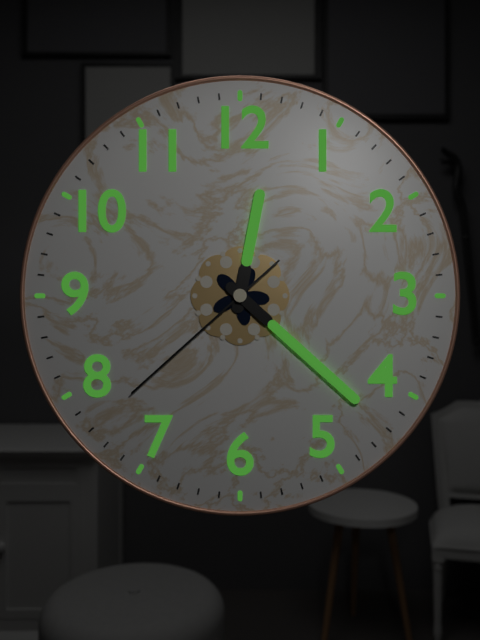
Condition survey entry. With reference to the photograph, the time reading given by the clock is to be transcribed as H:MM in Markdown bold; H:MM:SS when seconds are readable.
**12:22:38**
